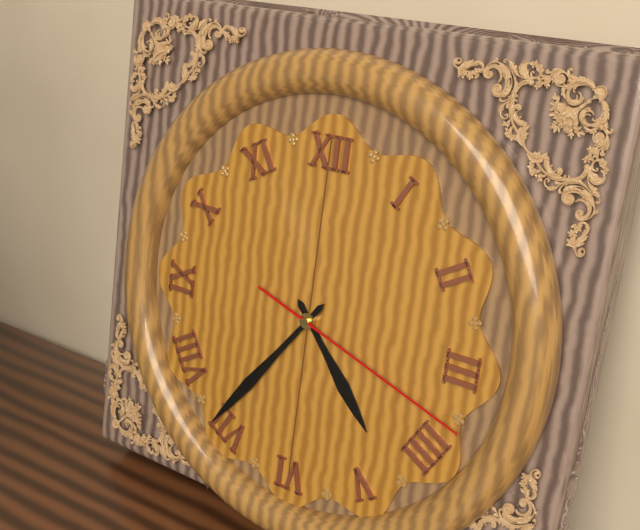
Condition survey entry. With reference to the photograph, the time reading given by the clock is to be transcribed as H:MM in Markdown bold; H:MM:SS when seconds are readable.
**4:36:18**
